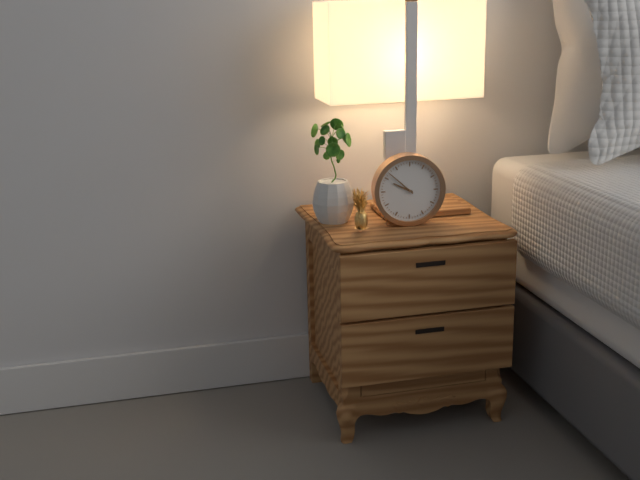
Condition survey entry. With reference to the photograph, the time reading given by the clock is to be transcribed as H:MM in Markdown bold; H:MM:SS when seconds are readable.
**9:52**
